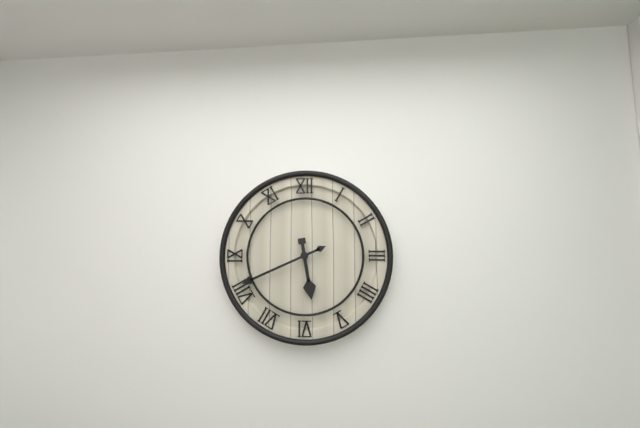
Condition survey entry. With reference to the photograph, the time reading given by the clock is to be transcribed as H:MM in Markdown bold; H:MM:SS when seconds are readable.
**5:41**
